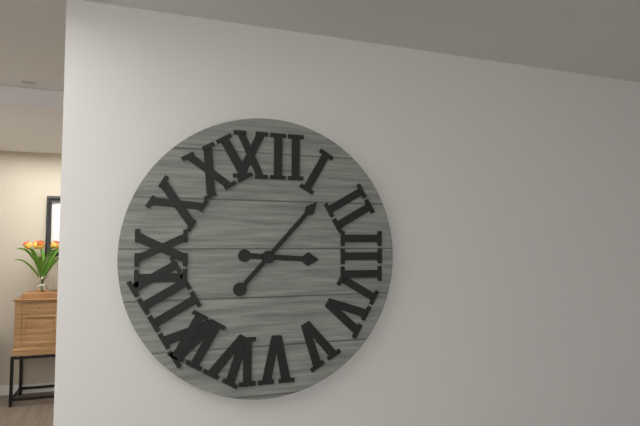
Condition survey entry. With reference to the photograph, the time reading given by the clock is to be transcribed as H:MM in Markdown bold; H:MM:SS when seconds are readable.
**3:07**
